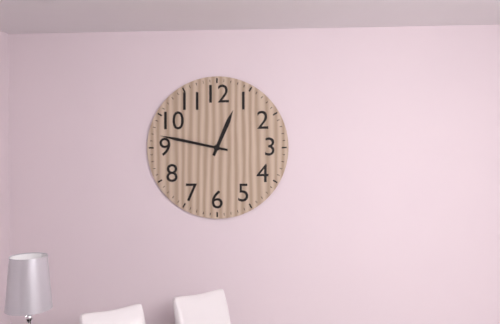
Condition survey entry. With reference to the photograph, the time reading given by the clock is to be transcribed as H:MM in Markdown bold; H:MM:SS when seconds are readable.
**12:47**
